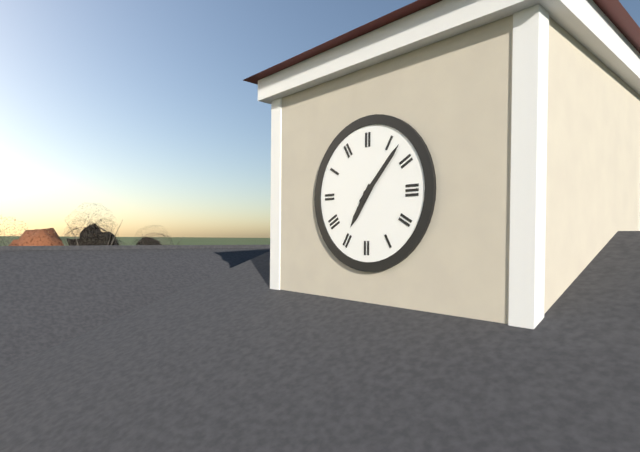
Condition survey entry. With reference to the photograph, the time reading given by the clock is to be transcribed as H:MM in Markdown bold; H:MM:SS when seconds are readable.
**7:07**
